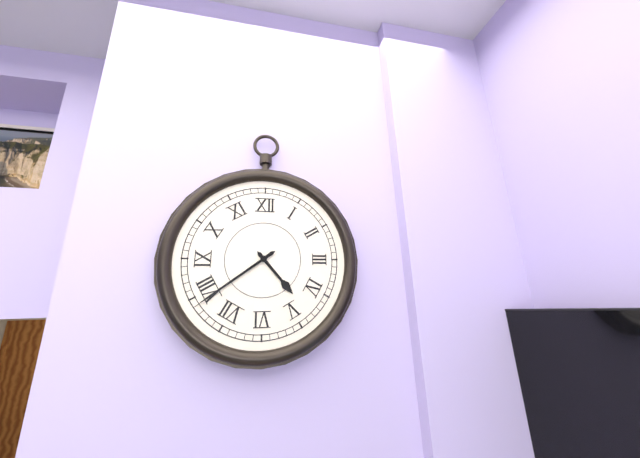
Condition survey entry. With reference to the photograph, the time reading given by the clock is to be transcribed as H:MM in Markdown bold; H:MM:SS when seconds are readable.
**4:39**
